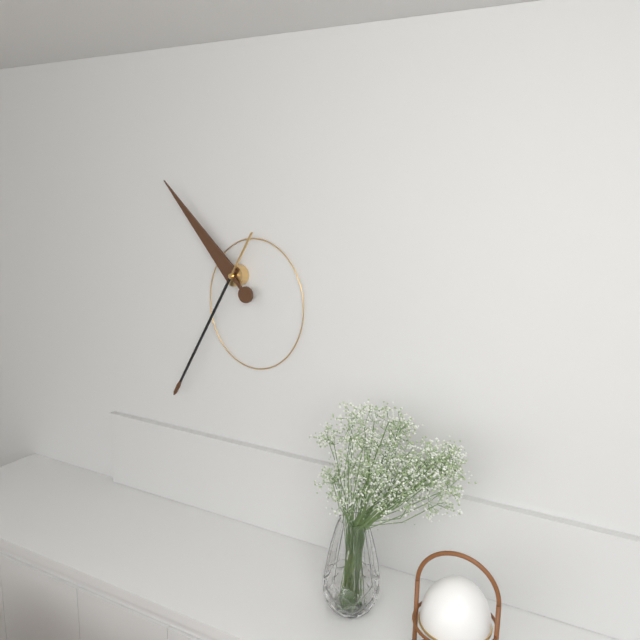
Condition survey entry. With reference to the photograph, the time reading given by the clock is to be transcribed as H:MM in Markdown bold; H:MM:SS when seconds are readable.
**10:35**
